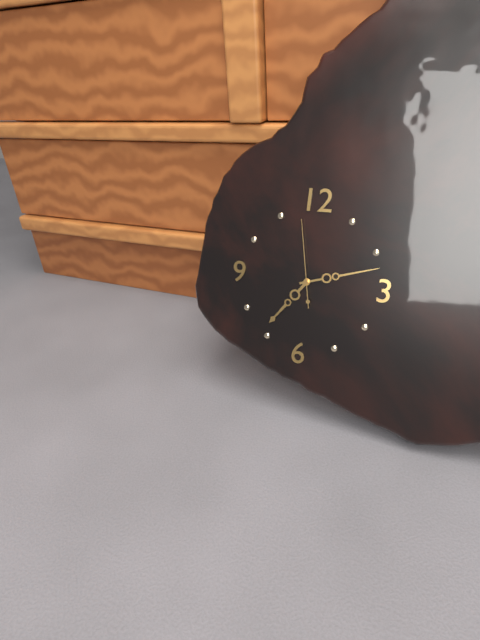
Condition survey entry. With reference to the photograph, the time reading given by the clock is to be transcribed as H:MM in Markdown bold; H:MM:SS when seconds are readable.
**7:12:58**
